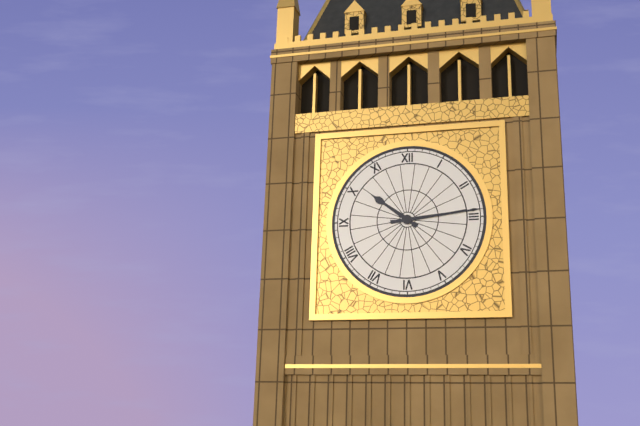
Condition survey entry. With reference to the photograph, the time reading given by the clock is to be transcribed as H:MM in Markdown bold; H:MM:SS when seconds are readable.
**10:14**
